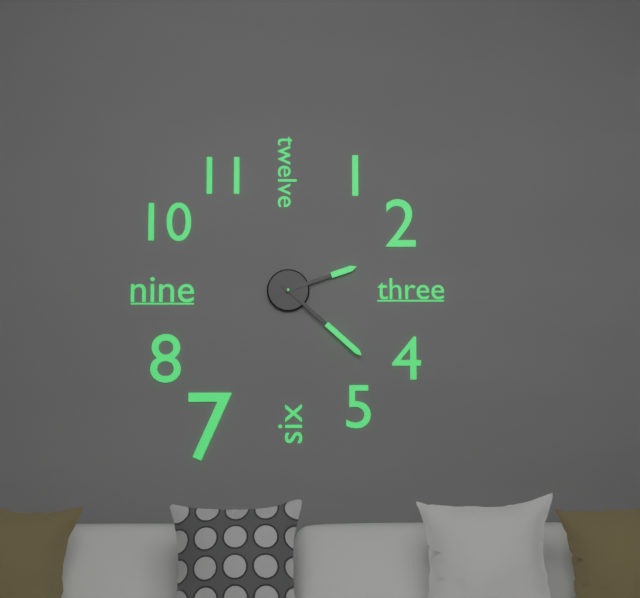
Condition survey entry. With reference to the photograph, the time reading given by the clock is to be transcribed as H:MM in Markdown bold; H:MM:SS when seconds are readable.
**2:22**
